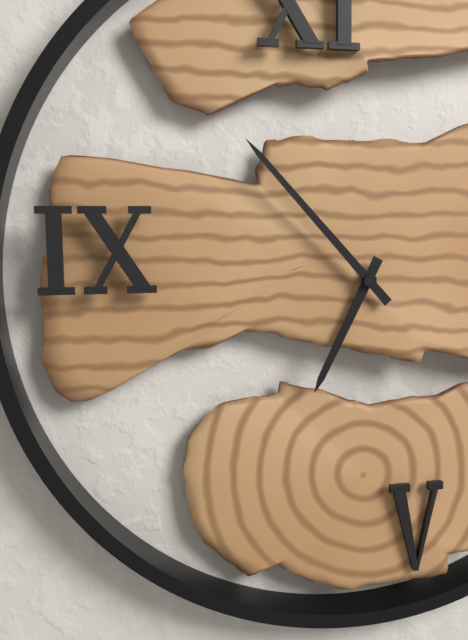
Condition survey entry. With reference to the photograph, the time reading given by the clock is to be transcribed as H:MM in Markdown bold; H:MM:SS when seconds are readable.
**6:53**
